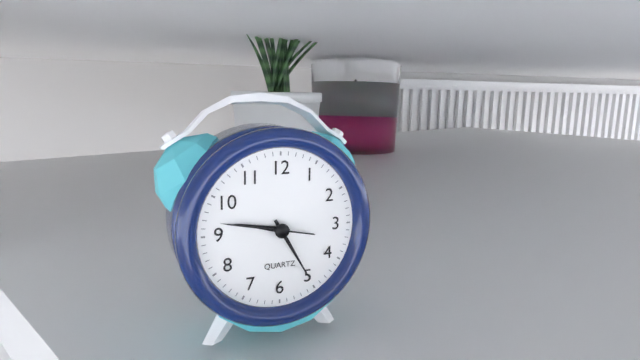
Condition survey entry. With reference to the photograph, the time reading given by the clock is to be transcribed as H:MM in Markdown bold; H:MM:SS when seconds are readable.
**9:25:47**
